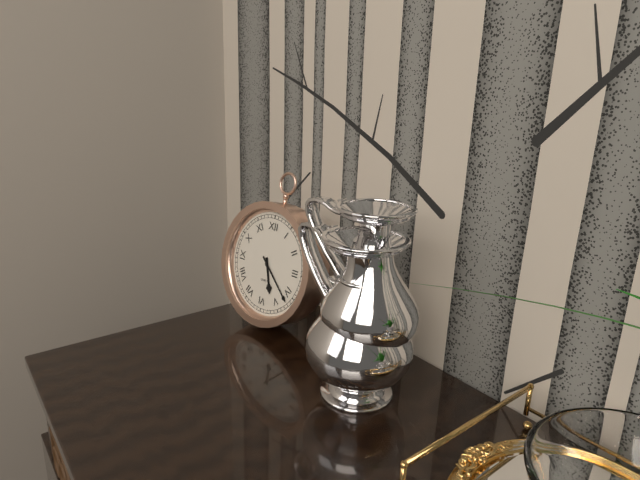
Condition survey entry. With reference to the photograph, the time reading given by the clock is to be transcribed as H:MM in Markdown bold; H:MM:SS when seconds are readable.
**5:22**
